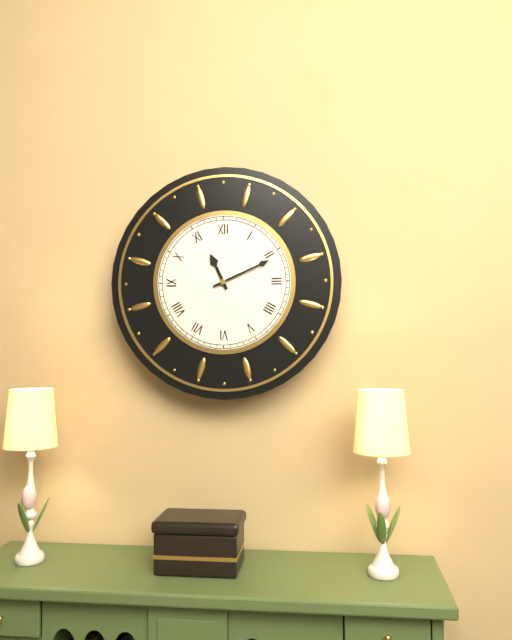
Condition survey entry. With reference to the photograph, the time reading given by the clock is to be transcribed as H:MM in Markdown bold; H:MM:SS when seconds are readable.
**11:11**
